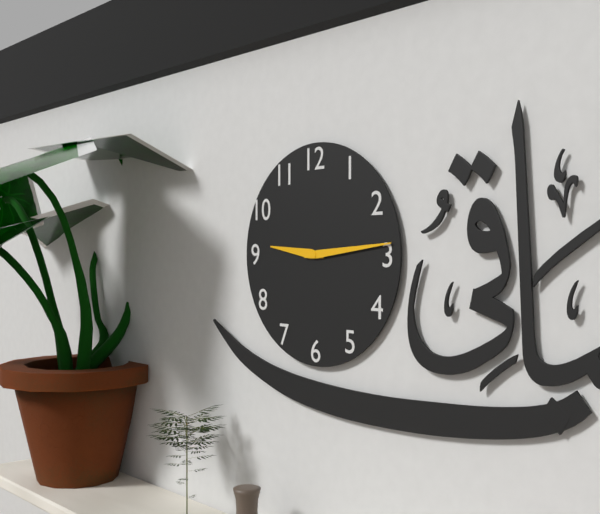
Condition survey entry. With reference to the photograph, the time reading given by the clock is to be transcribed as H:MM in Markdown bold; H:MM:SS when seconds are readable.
**9:14**
